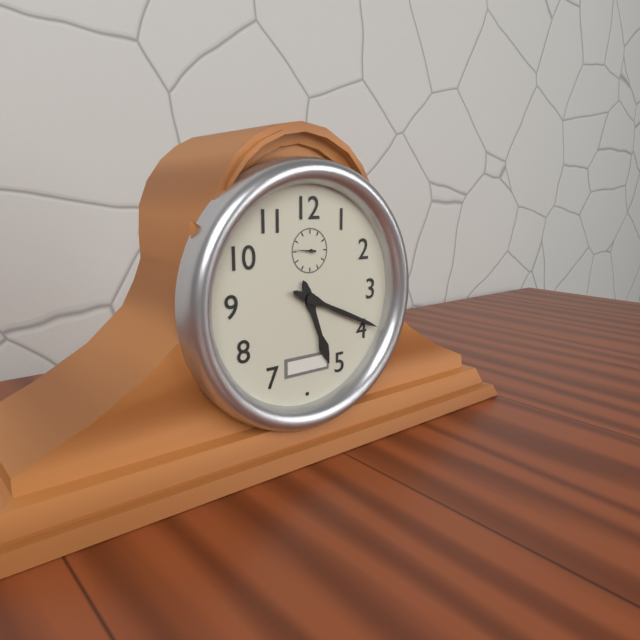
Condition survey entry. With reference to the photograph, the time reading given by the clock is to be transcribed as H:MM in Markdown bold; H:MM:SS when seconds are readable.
**5:19**
